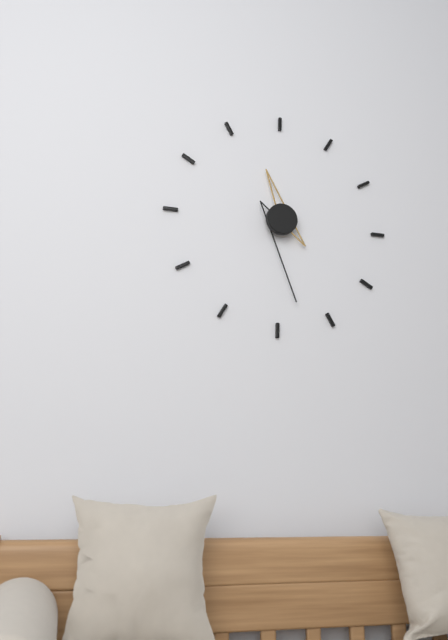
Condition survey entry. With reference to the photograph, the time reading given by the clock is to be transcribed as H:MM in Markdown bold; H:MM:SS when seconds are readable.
**11:28**
